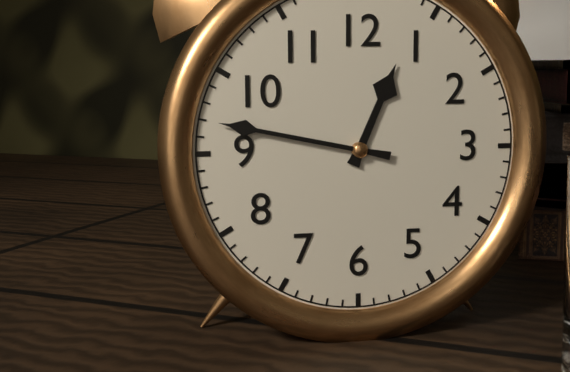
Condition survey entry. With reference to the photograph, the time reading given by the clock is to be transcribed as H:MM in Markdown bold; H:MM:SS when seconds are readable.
**12:47**
